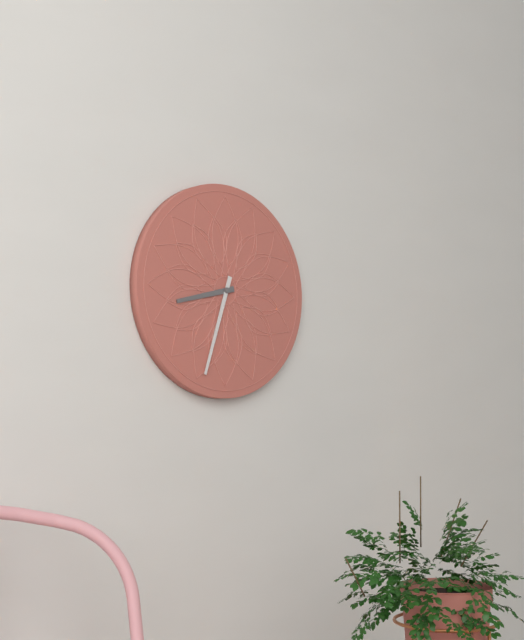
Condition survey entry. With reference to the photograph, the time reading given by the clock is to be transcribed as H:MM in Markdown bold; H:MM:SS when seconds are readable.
**8:33**
